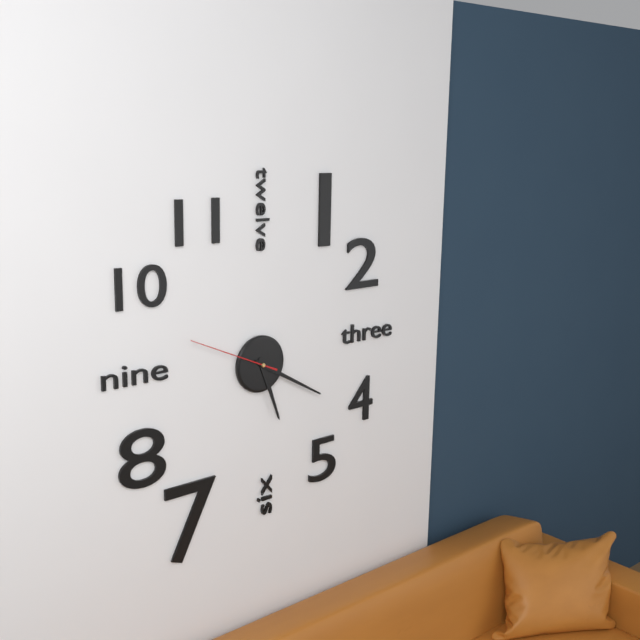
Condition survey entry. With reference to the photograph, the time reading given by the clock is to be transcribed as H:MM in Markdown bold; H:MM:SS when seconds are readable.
**5:20:49**
